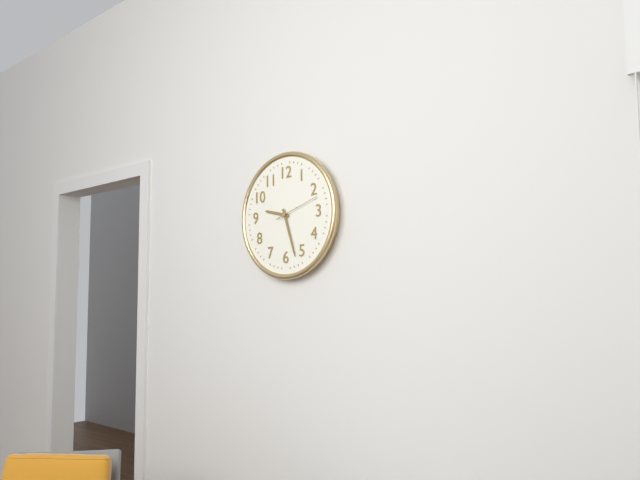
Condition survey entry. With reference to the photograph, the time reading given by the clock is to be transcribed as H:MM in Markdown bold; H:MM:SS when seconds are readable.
**9:27**
